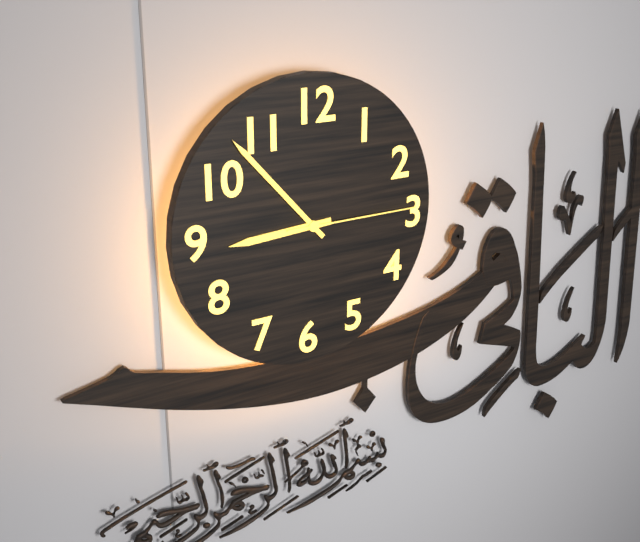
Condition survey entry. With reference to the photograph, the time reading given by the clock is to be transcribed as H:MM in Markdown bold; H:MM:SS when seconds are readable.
**8:53:15**
